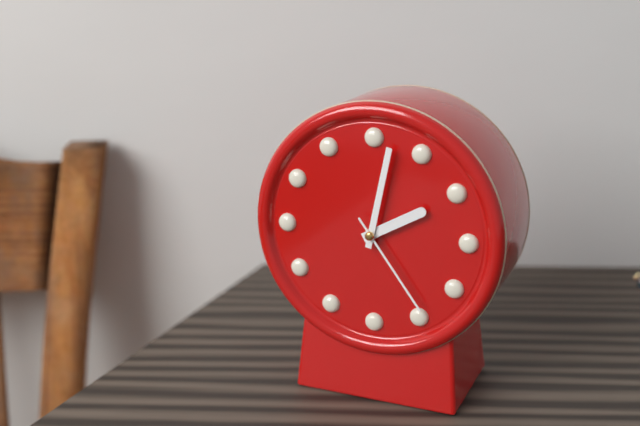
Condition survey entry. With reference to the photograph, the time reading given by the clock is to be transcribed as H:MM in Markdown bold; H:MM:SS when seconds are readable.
**2:02:24**
